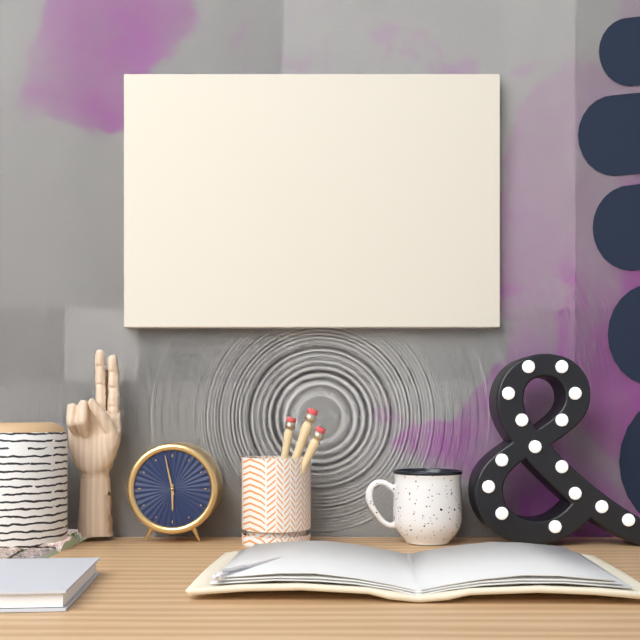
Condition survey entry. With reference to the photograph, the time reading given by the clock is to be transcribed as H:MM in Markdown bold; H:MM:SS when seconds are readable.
**5:58**
